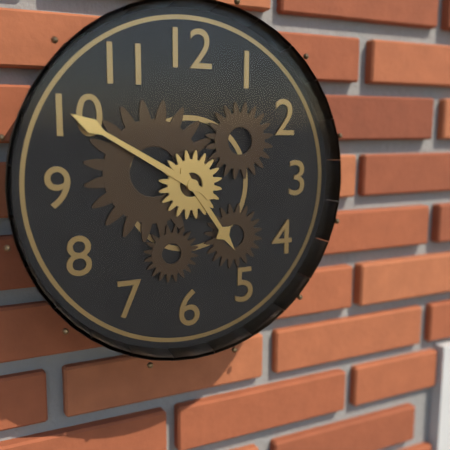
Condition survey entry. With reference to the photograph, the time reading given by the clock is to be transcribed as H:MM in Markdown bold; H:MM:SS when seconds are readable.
**4:50**
